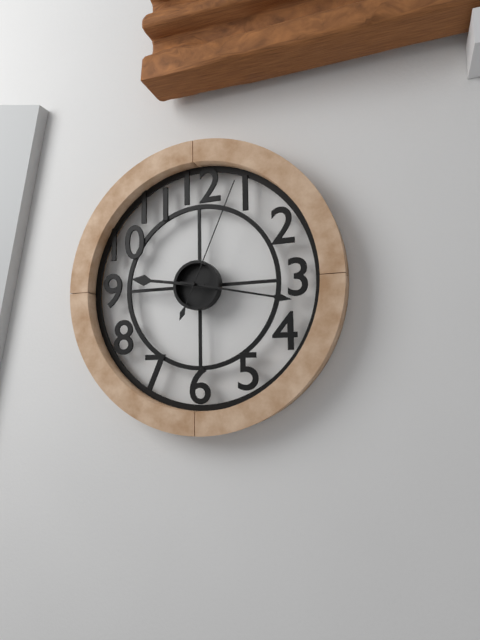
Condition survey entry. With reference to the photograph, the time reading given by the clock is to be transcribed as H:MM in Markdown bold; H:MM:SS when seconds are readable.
**9:17:04**
